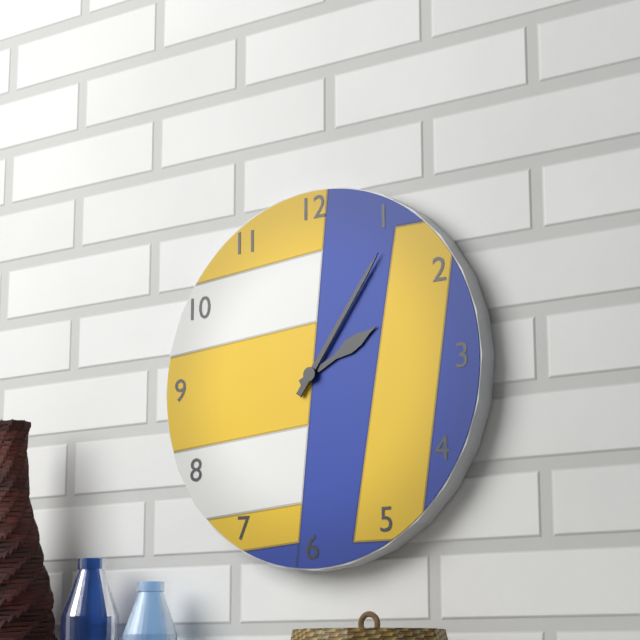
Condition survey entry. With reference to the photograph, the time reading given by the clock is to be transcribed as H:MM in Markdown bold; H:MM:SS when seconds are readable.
**2:06**
